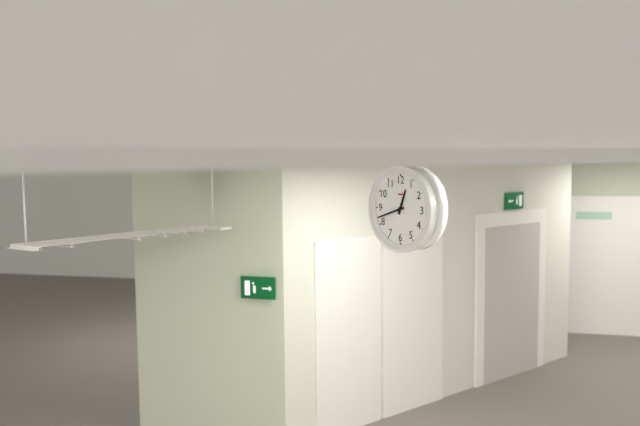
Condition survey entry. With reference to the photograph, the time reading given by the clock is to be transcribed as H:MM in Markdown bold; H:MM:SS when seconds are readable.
**12:42**
